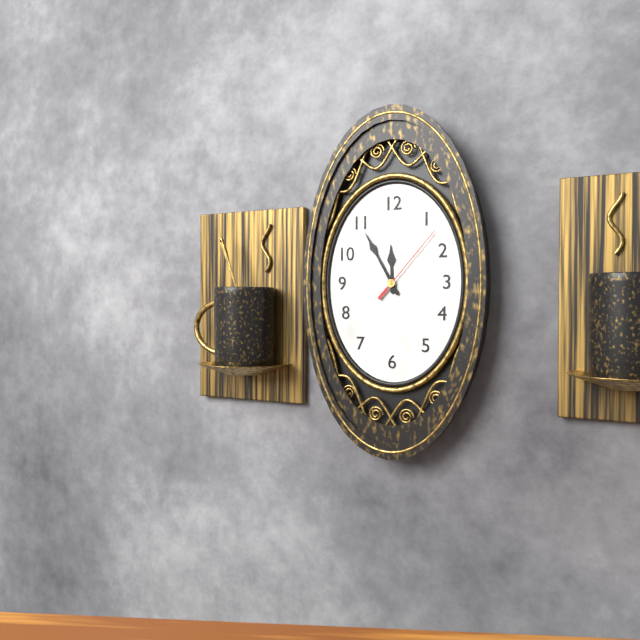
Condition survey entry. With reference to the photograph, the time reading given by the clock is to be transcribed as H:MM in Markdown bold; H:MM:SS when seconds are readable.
**11:55:07**
